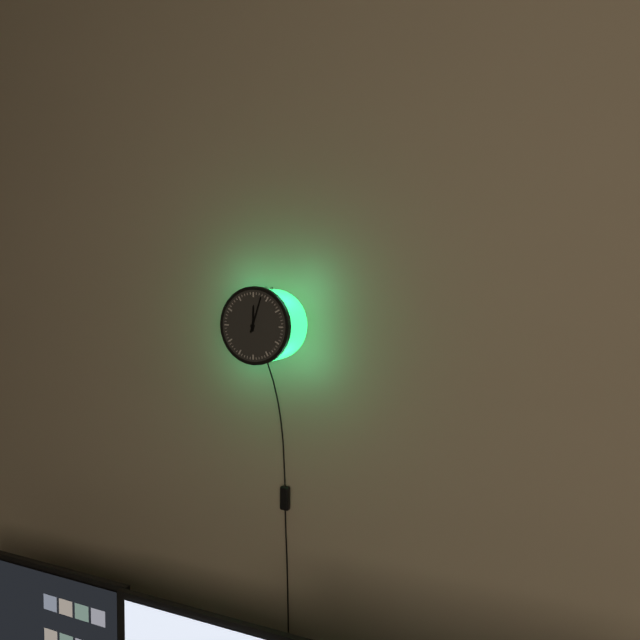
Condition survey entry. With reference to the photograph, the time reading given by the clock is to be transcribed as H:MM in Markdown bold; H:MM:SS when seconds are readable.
**12:03**
